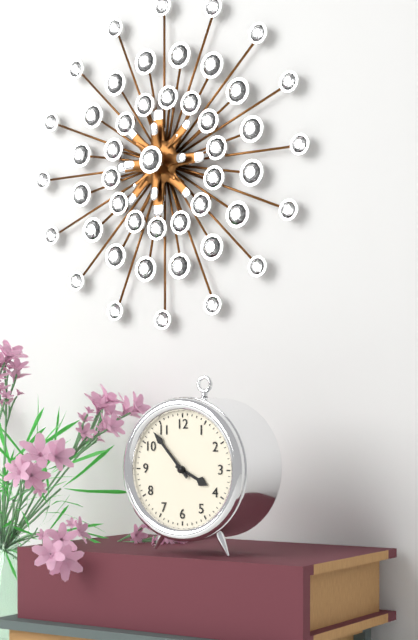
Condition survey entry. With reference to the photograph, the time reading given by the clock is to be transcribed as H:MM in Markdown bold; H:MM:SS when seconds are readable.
**3:53**
